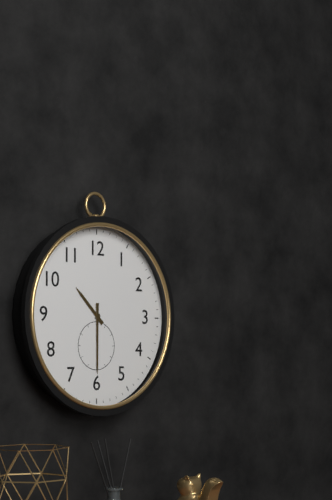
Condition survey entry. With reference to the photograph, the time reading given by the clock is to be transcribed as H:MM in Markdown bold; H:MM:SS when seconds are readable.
**10:30**
